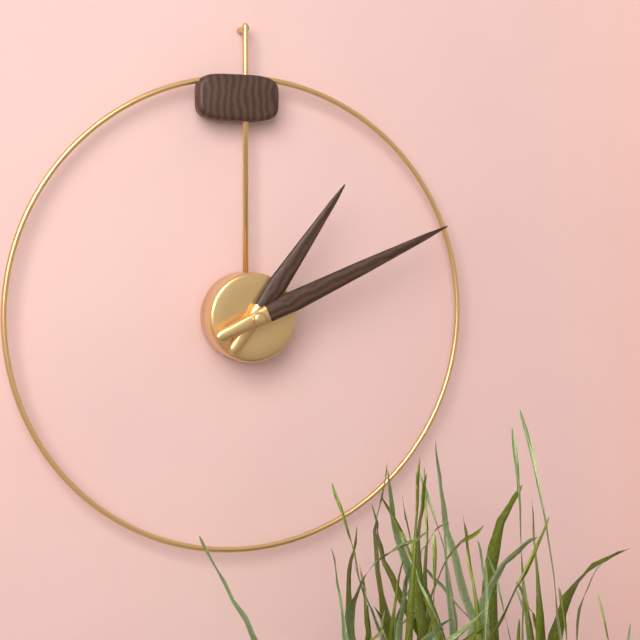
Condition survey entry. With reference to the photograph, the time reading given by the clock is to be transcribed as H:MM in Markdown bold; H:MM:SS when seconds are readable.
**1:11**
